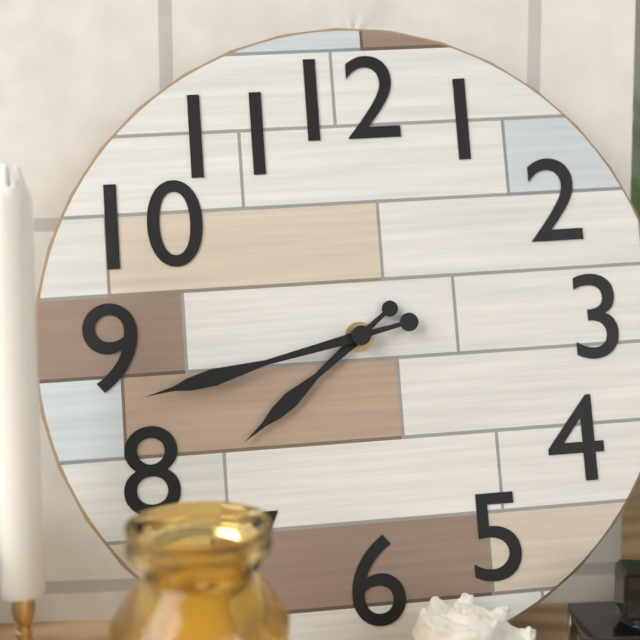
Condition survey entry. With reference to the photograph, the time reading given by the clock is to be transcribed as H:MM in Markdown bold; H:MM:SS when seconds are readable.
**7:43**
